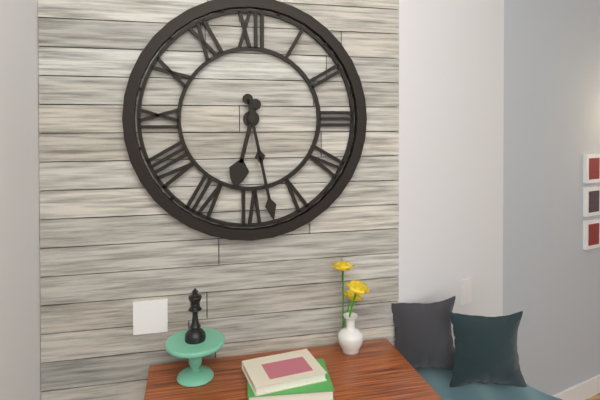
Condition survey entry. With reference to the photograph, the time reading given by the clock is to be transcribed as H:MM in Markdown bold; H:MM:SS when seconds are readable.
**6:28**
